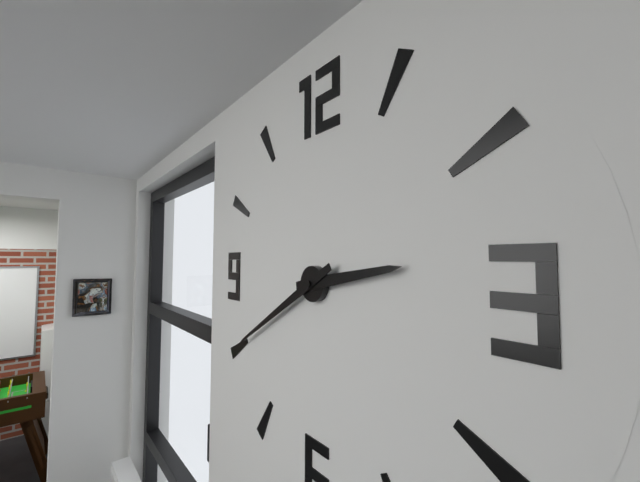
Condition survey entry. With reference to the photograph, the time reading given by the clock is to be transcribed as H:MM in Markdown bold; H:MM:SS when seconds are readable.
**2:40**
